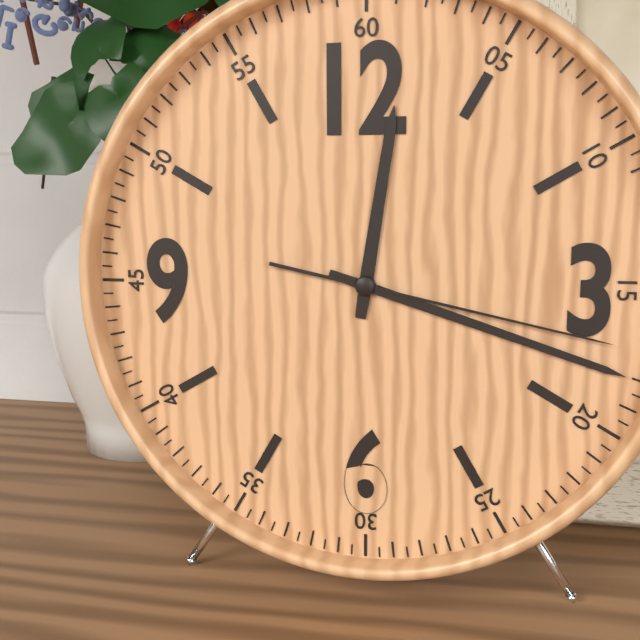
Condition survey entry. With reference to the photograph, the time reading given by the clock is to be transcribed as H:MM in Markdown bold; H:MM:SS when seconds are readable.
**12:18:17**
